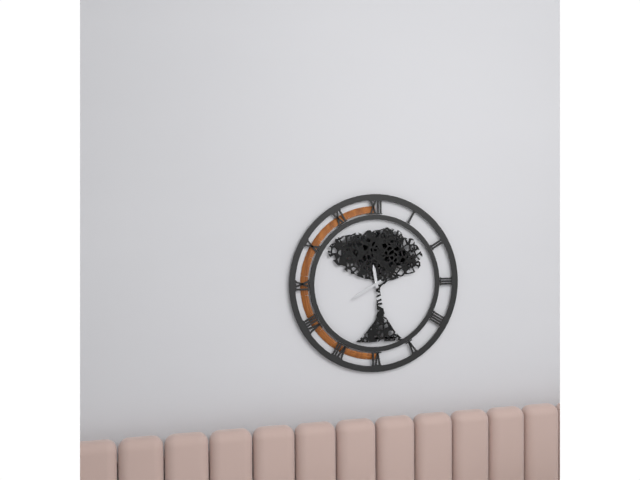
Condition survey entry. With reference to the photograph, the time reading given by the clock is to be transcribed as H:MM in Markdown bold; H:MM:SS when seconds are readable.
**11:40**
